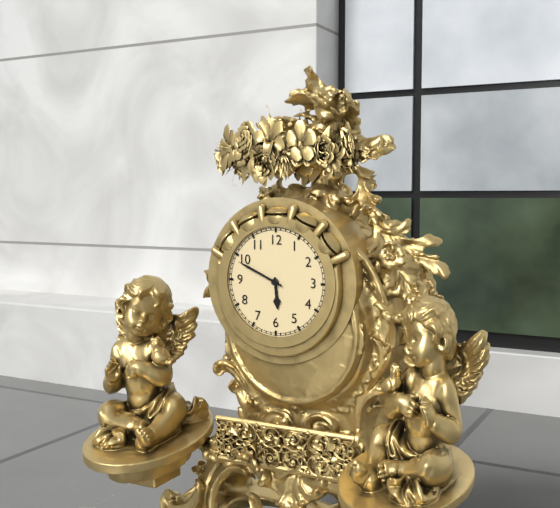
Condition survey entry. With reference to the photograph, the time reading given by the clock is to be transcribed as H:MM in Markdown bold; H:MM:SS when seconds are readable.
**5:49**
